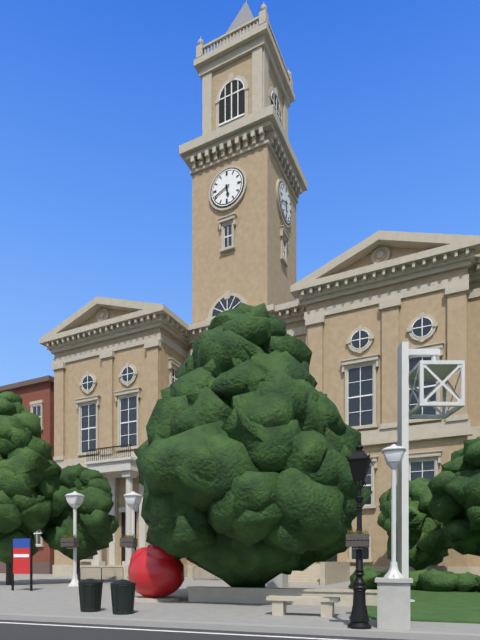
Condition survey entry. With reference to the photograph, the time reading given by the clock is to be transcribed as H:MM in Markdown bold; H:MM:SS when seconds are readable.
**5:41**
